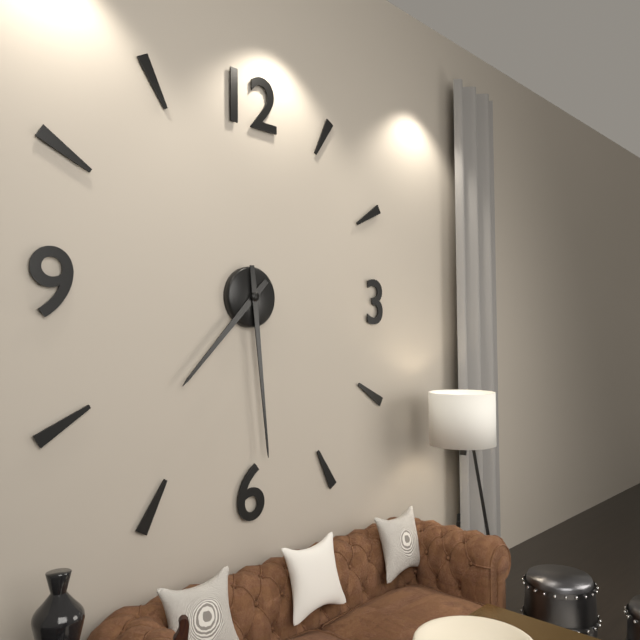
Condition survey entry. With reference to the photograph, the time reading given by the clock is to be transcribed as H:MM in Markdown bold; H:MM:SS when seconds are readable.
**7:29**
